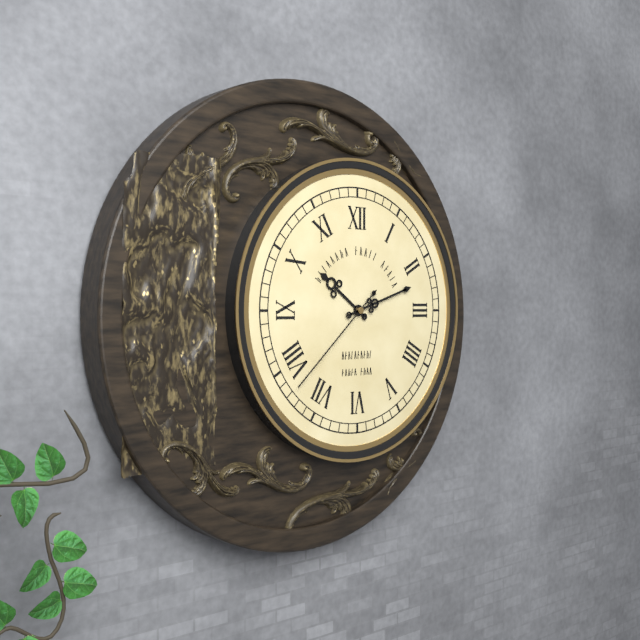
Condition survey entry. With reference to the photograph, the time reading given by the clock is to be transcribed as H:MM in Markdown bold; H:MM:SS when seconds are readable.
**10:12:38**
